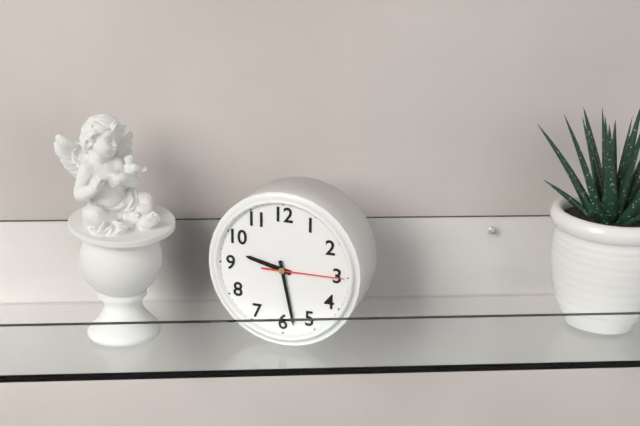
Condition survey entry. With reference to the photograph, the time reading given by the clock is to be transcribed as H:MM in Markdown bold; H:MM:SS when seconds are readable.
**9:28:15**
